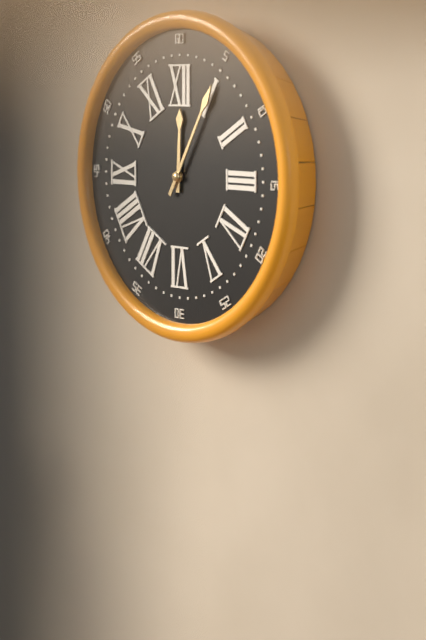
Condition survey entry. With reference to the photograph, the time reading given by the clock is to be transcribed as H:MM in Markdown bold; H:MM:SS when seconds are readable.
**12:05**
